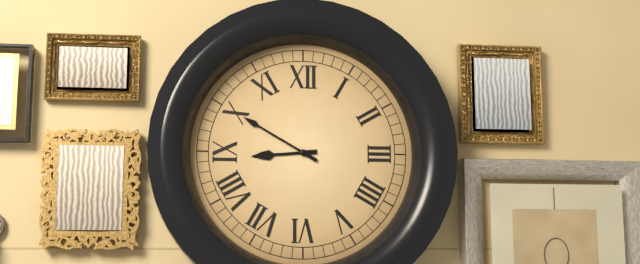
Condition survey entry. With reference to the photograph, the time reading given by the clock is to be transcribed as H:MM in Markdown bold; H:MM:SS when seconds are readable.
**8:50**
